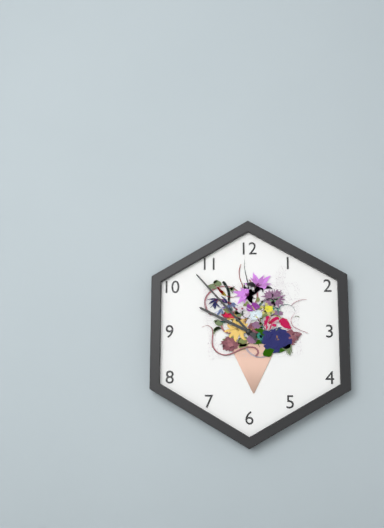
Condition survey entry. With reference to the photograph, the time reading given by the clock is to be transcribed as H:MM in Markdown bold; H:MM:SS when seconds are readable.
**9:53**
